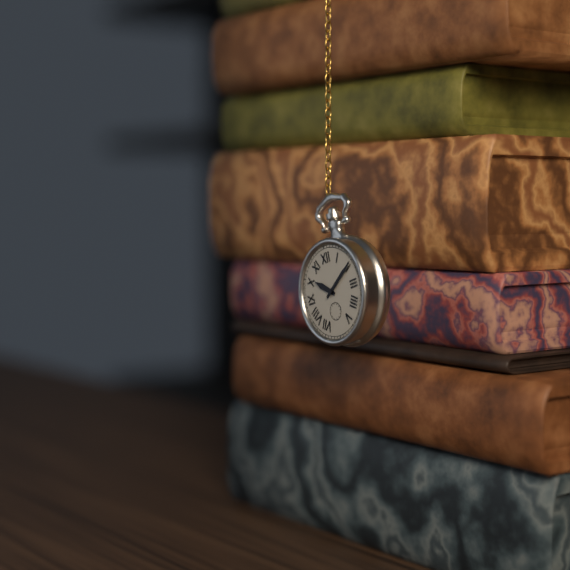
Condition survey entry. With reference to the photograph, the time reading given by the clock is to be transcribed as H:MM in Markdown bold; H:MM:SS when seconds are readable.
**10:10**
